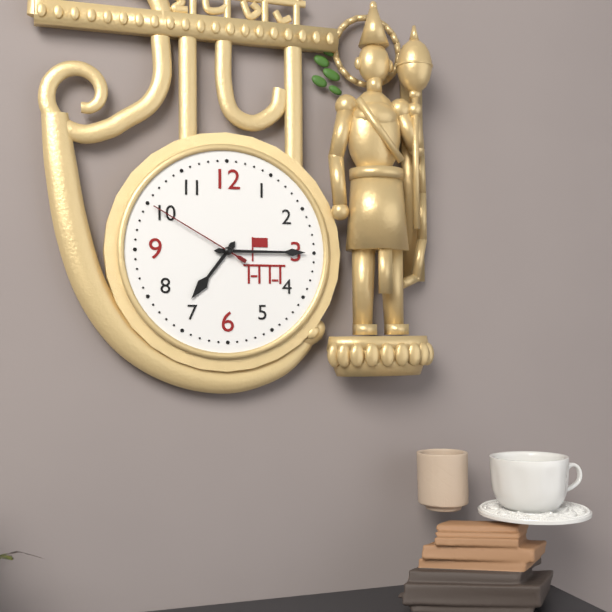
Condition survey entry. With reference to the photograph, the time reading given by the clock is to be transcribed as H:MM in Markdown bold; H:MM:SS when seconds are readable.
**7:15:50**
